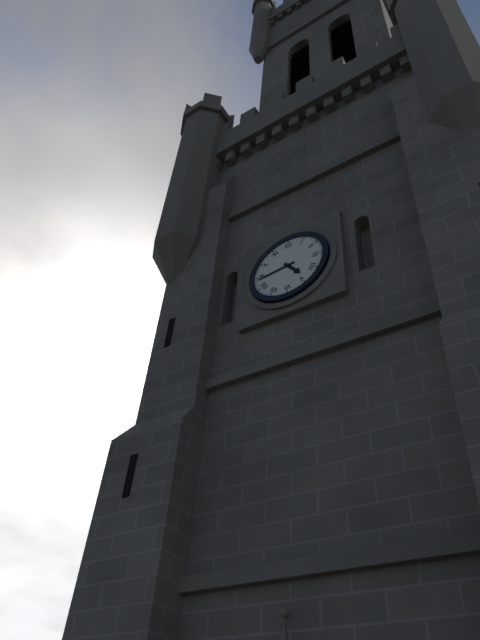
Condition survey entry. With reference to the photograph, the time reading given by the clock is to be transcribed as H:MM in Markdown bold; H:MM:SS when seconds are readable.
**4:44**
